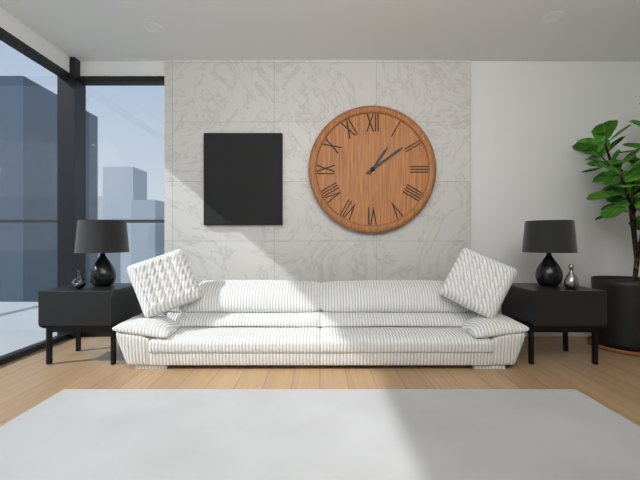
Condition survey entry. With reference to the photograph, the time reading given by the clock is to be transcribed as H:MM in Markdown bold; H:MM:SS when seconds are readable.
**1:09**
